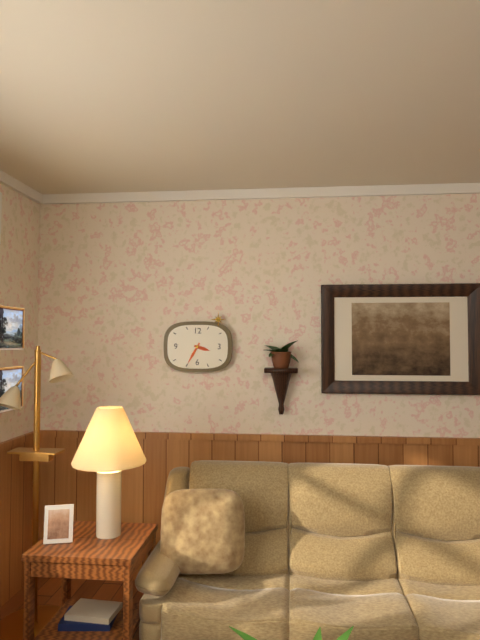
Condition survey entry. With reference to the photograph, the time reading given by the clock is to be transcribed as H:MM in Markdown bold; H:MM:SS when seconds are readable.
**3:35**
